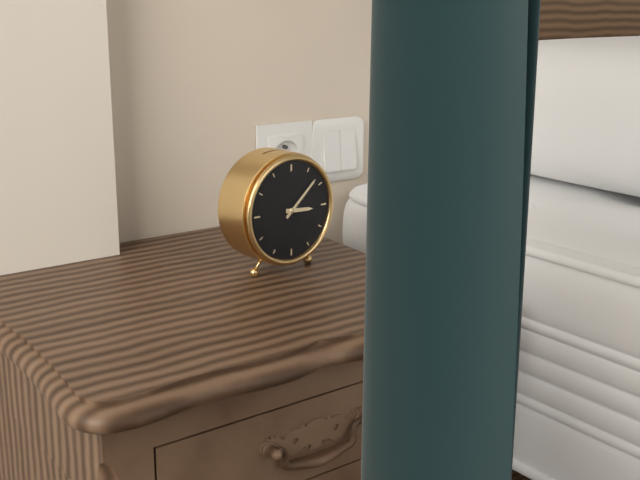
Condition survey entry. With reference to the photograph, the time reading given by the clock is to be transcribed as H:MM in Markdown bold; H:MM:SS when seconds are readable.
**3:08**
